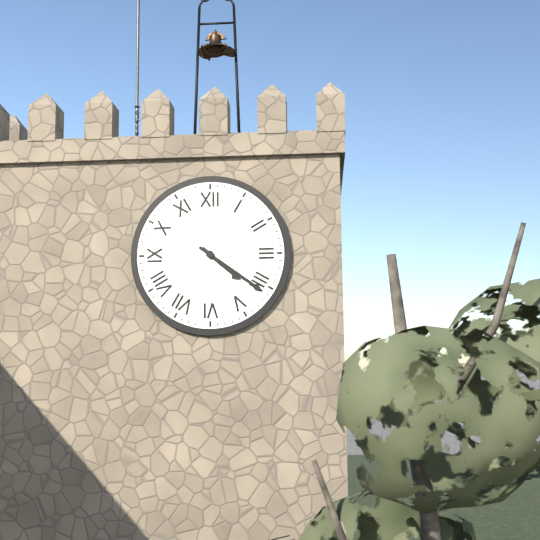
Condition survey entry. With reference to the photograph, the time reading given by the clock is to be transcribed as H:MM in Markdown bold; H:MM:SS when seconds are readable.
**4:21**
